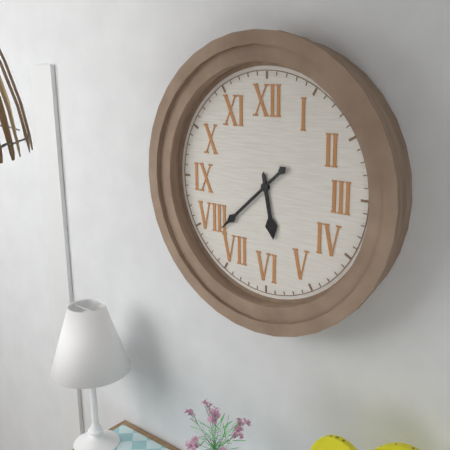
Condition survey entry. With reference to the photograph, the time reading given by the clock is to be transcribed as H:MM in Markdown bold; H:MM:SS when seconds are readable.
**5:38**
